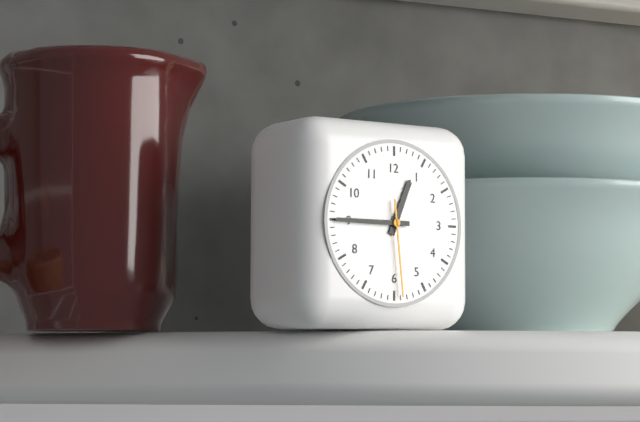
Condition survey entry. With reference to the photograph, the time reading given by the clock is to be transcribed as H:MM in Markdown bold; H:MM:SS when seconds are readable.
**12:45:29**
